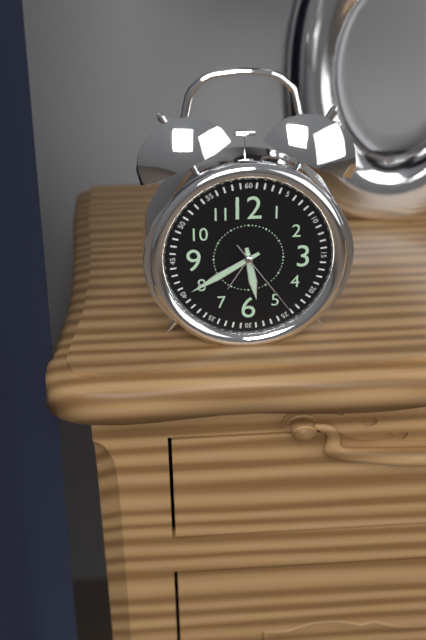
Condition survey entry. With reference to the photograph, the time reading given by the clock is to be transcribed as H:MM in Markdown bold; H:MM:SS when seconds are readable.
**5:40:24**
